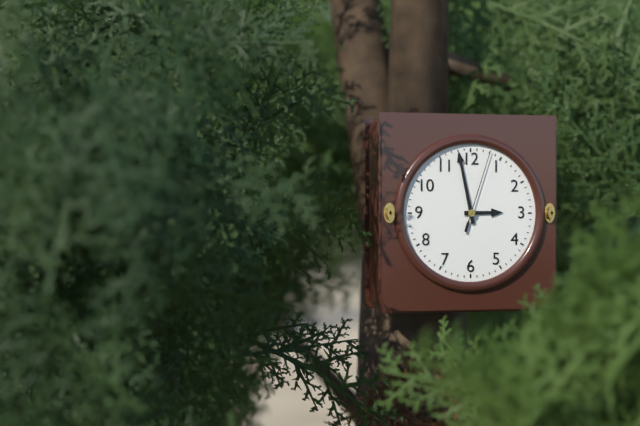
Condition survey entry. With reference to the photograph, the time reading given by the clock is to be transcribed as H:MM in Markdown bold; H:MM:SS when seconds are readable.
**2:58:03**
